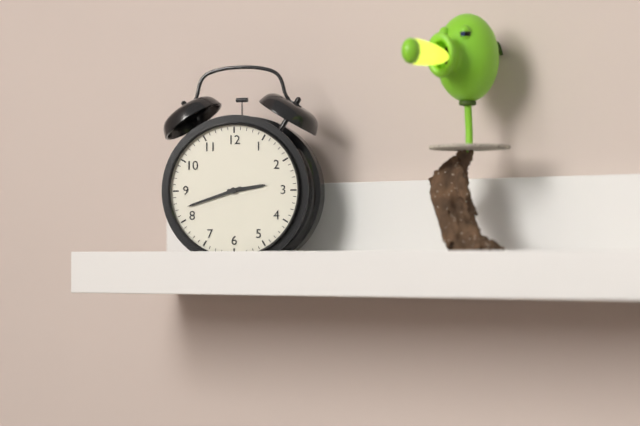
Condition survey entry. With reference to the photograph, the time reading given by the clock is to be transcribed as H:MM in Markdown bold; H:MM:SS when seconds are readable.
**2:42**
